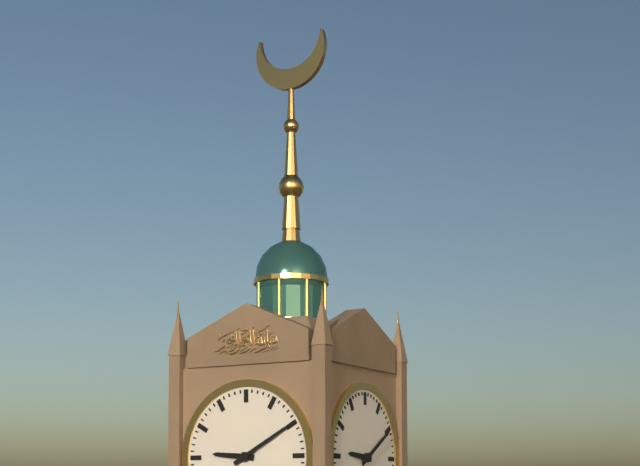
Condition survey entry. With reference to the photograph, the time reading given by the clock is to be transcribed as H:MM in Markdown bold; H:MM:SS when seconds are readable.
**9:10**
